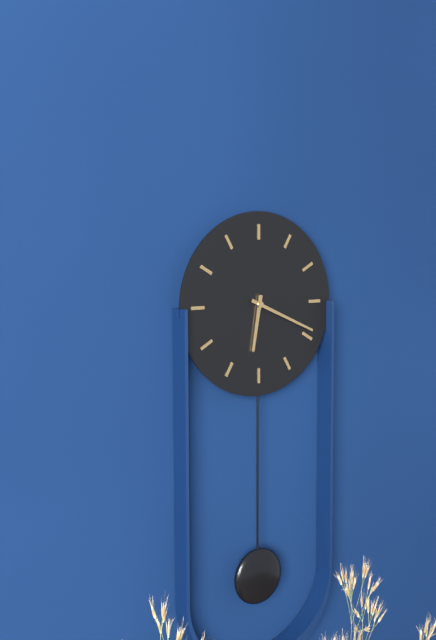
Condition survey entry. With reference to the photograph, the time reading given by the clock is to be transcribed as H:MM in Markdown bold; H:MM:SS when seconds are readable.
**6:19**
